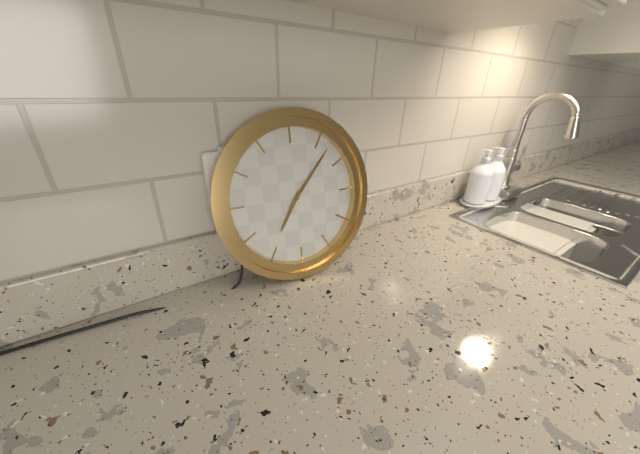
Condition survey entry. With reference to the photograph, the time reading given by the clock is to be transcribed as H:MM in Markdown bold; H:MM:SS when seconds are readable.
**7:07**
